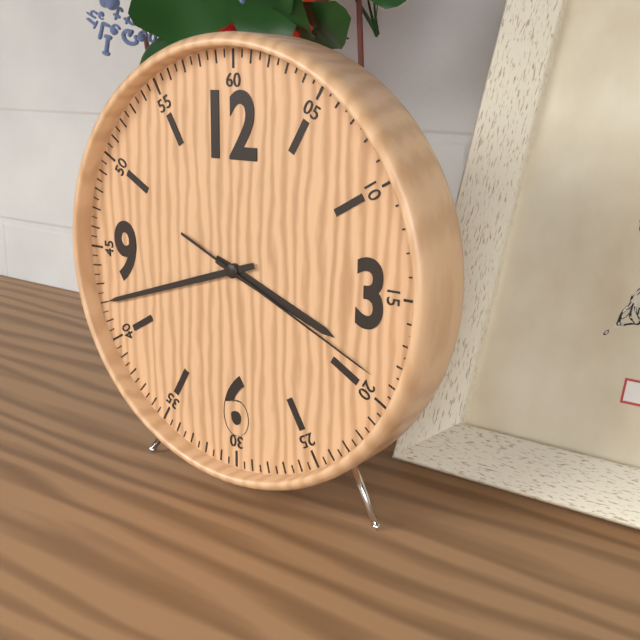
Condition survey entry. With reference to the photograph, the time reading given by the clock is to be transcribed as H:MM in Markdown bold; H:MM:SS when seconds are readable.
**3:42:19**
